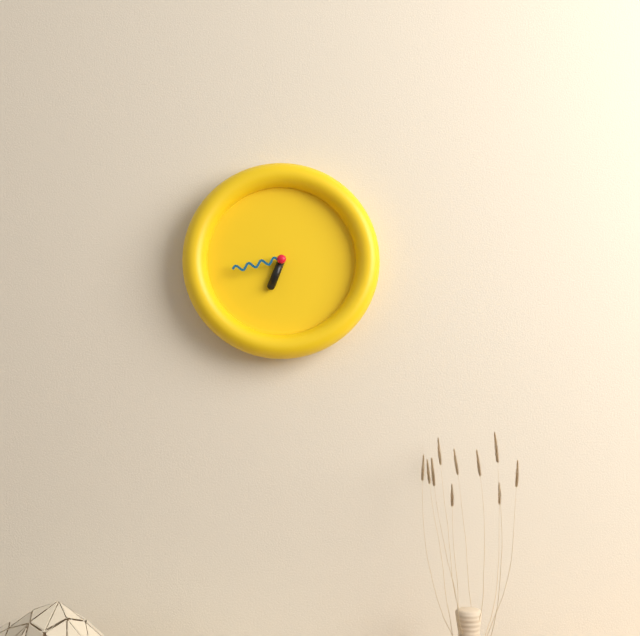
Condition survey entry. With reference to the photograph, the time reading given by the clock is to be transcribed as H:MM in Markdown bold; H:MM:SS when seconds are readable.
**6:43**
